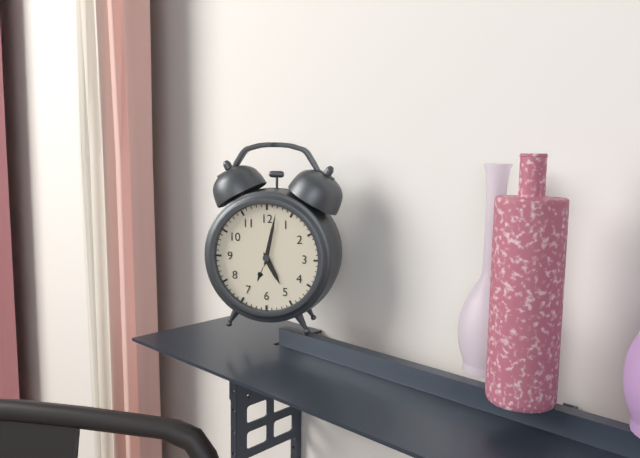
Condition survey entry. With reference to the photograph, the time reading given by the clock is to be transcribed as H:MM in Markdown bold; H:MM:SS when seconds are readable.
**5:02**
